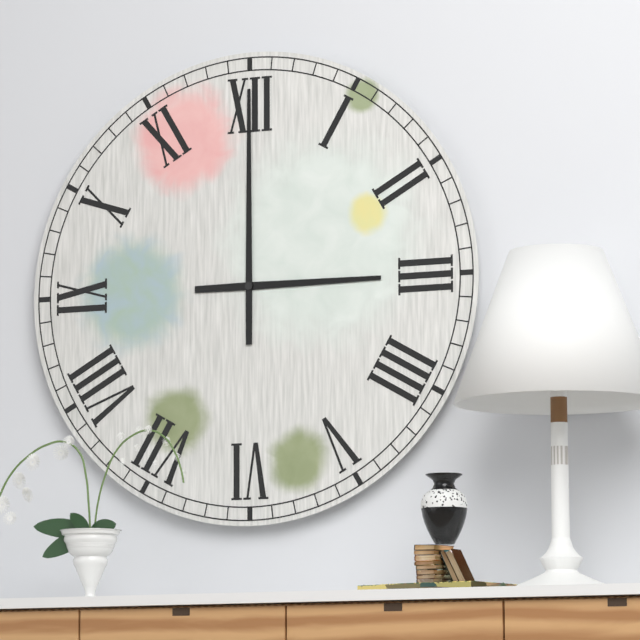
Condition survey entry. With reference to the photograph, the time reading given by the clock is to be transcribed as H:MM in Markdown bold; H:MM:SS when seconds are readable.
**3:00**
